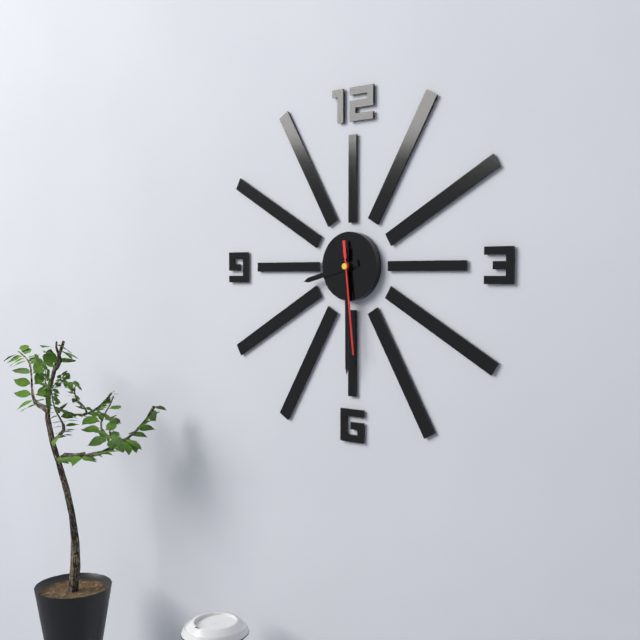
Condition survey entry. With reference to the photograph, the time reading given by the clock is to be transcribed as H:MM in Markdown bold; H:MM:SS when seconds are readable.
**8:30:29**
